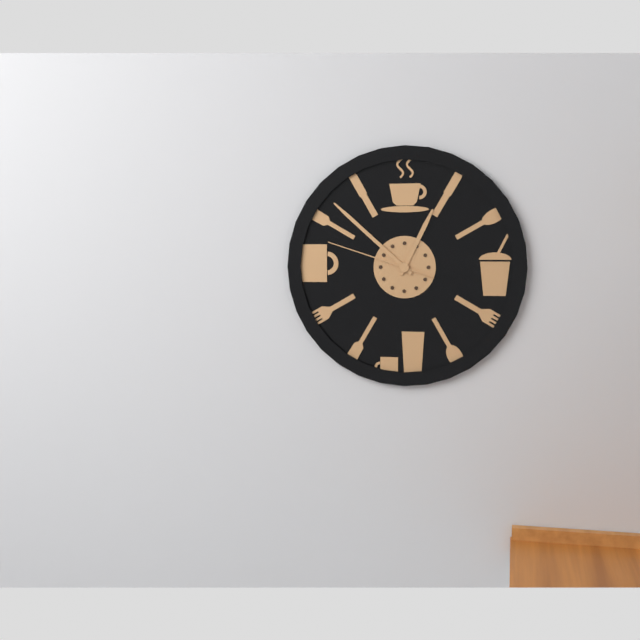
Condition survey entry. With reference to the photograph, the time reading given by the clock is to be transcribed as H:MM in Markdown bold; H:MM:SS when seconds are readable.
**12:52:48**
